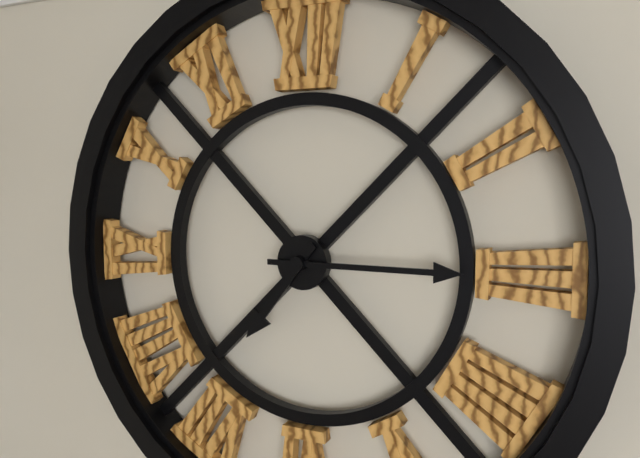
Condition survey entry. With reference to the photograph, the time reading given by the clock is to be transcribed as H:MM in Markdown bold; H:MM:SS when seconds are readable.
**7:15**
